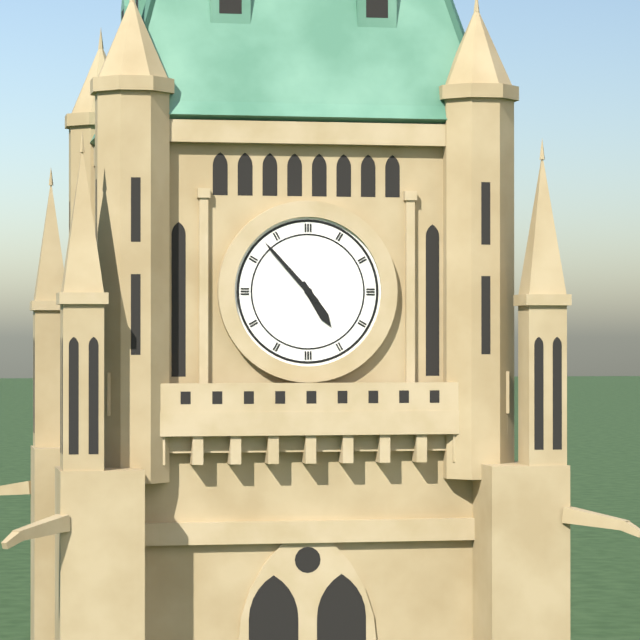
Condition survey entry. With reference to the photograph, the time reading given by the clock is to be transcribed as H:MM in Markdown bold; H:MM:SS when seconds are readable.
**4:53**
